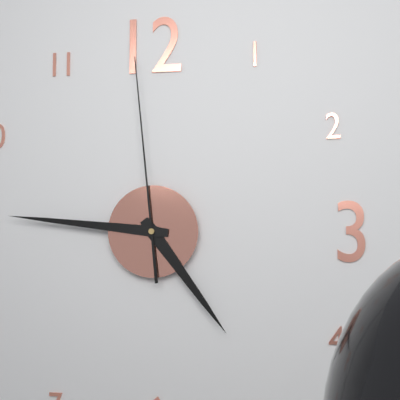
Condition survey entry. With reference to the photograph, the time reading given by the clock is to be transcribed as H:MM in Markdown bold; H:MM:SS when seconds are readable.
**4:46:59**
